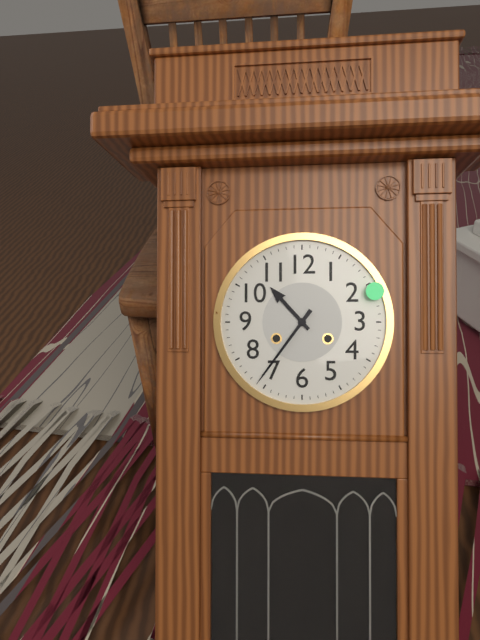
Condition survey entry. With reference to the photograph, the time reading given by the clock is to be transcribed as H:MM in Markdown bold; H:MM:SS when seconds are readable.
**10:36**
